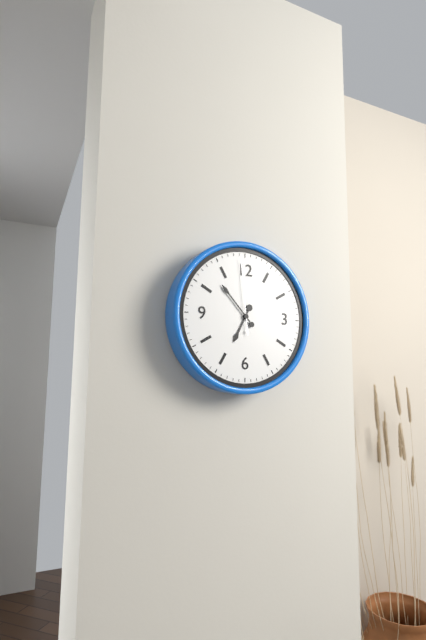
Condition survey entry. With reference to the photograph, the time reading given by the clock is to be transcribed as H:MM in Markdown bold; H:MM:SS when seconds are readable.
**6:53:59**
